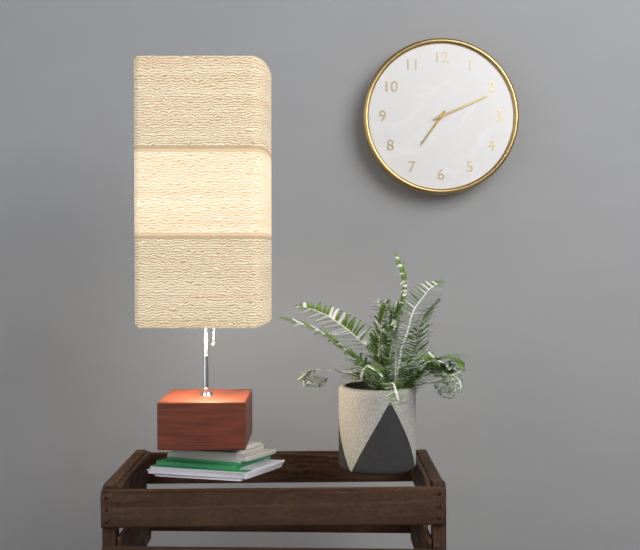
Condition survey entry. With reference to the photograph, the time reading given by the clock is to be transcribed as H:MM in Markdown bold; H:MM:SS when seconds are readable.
**7:11**
